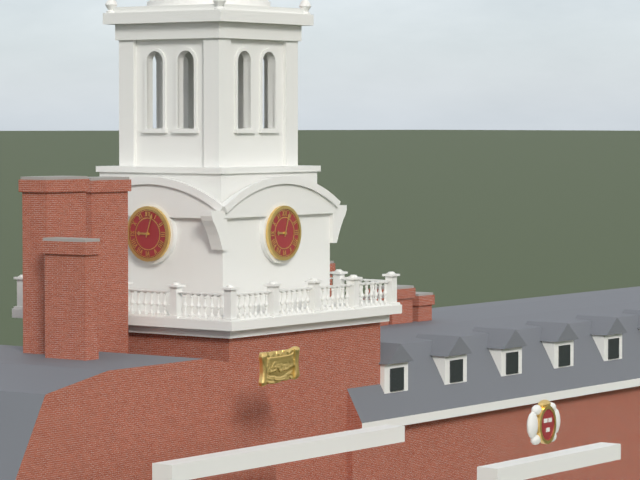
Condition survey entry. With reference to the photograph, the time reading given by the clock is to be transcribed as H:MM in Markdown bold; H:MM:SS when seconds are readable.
**9:03**
